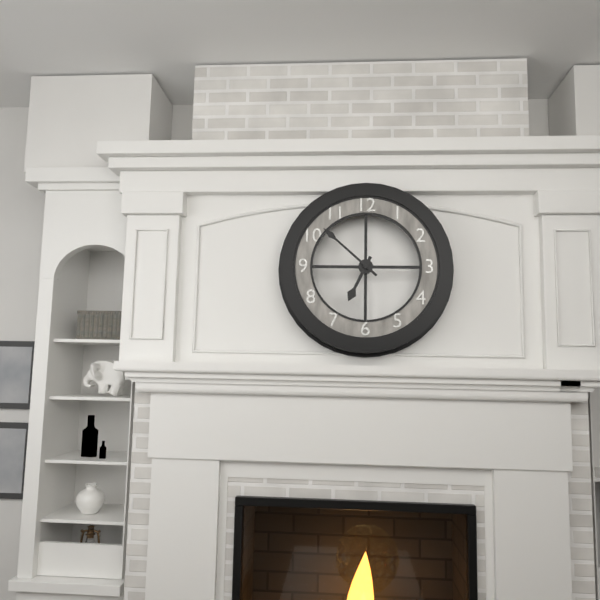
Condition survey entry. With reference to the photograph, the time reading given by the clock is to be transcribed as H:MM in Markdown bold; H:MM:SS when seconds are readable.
**6:52**
